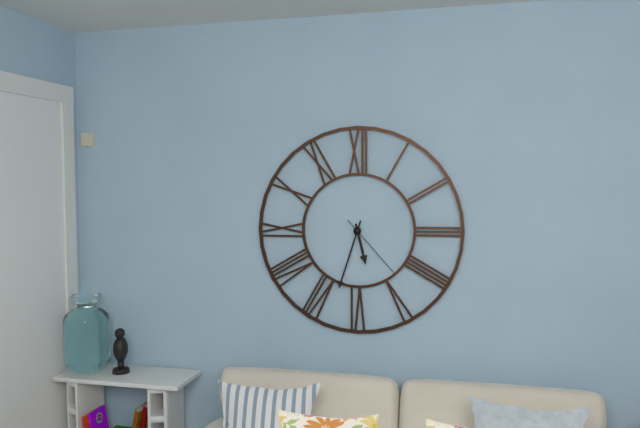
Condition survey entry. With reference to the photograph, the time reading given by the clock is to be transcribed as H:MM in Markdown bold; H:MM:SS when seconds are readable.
**5:33:23**
